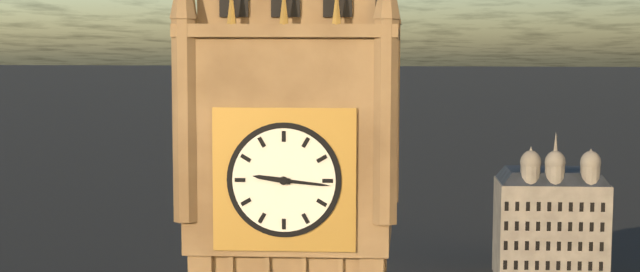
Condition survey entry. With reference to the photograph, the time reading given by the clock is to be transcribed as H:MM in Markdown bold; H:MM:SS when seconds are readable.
**9:16**
